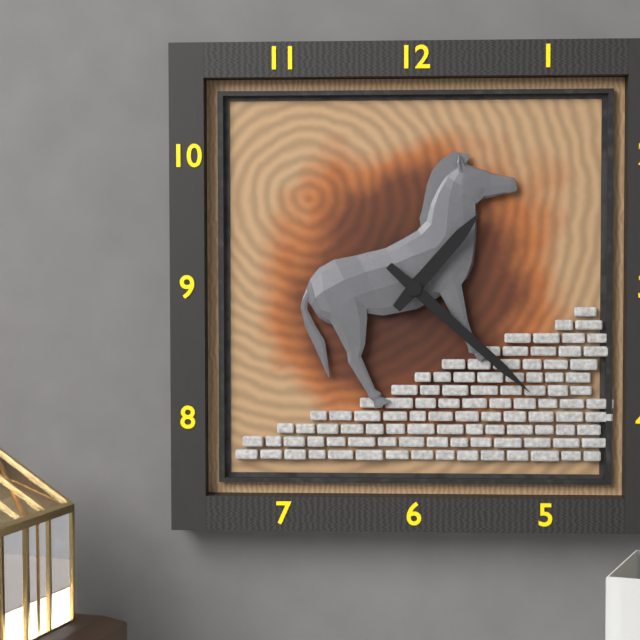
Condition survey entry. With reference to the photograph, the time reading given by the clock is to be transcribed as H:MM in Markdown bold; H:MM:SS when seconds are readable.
**1:22**
